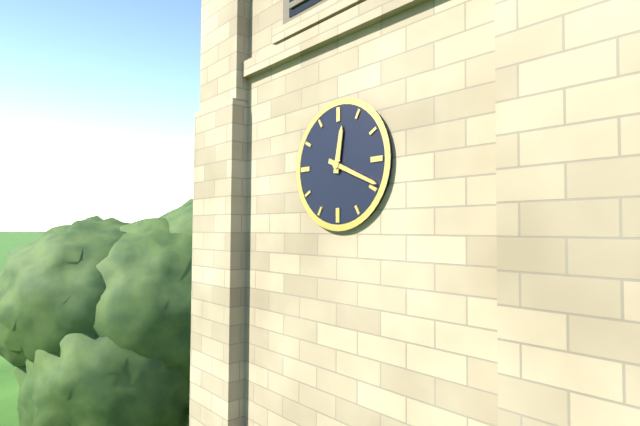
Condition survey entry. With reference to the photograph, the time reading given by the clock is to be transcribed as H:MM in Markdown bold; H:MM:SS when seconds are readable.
**12:19**
